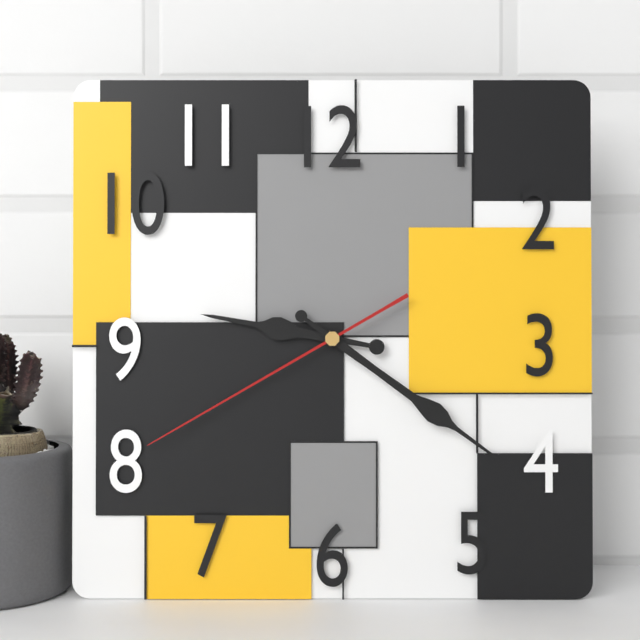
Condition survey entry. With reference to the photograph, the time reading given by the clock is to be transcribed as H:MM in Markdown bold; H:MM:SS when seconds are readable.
**9:21:40**
